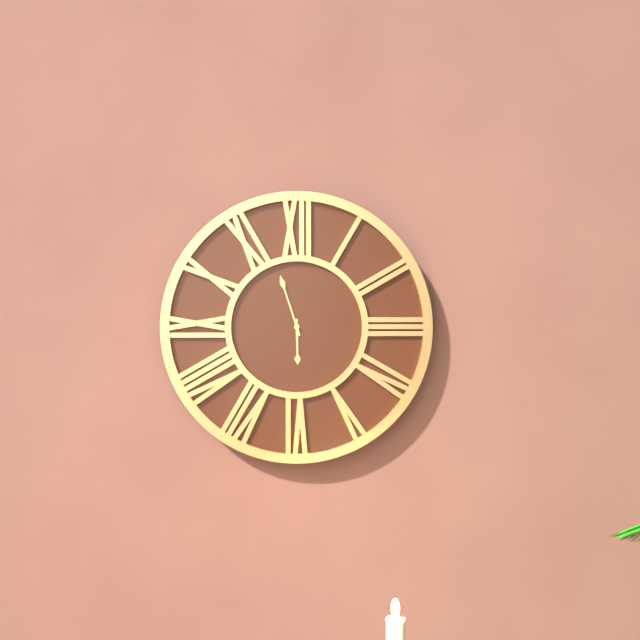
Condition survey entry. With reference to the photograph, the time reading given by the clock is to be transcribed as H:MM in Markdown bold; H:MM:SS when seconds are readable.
**5:57**
